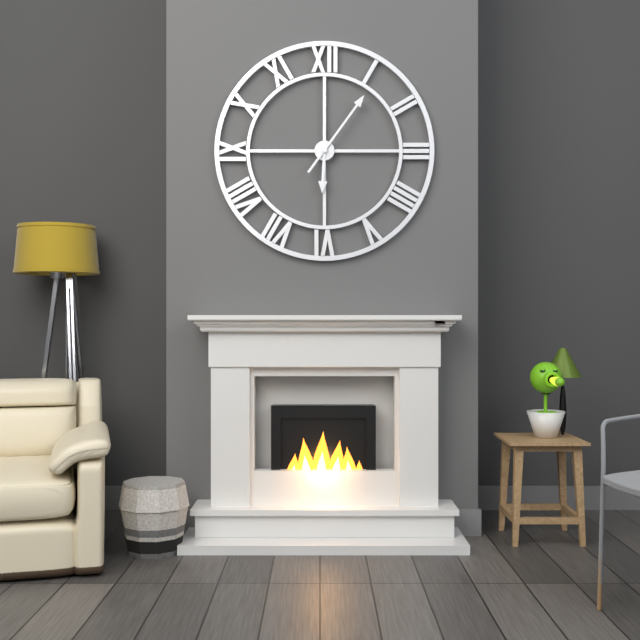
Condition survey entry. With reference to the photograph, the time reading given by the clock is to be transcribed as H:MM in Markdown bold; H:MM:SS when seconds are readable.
**6:06**
